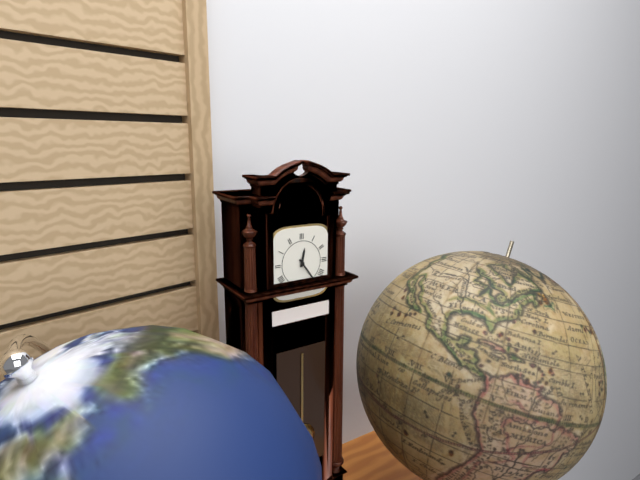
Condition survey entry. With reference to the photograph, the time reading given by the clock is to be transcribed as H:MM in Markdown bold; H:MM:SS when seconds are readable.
**12:24**
